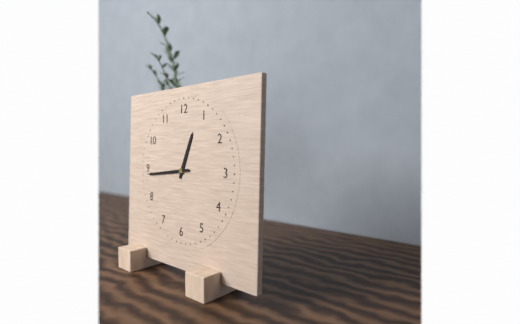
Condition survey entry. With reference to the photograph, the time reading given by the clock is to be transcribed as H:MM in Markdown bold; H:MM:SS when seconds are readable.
**12:44**
